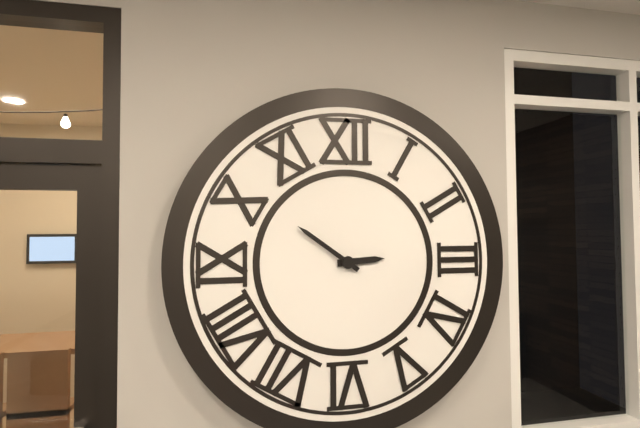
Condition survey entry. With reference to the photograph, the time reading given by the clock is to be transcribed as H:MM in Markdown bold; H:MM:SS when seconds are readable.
**2:51**
